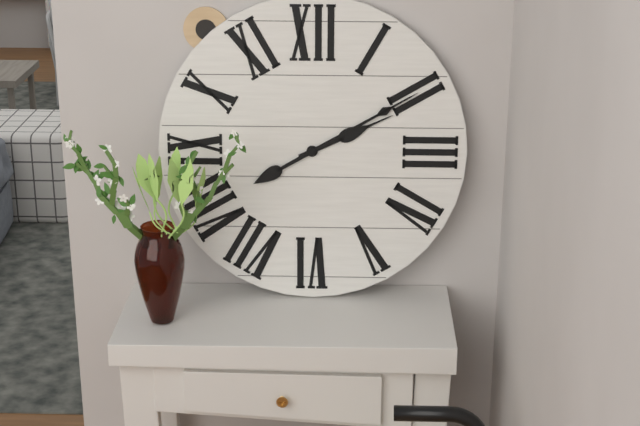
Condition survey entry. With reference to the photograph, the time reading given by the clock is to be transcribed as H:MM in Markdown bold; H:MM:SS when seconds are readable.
**2:10**
